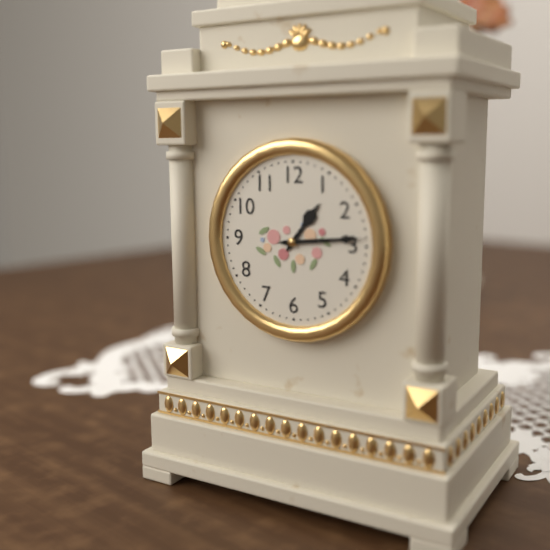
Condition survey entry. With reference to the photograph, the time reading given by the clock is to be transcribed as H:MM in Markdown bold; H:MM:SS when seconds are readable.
**1:14**
